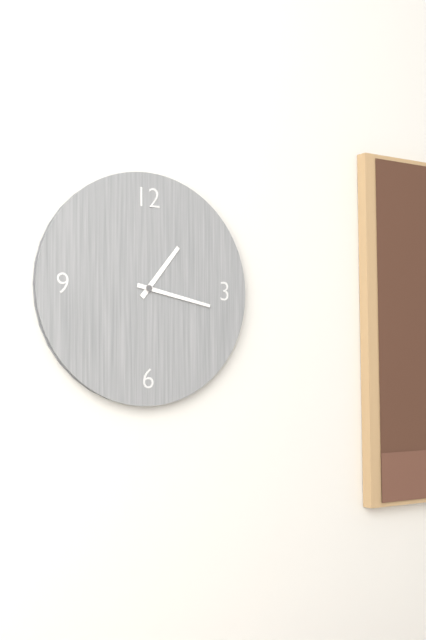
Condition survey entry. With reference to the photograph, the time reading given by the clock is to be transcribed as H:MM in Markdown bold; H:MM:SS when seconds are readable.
**1:17**
